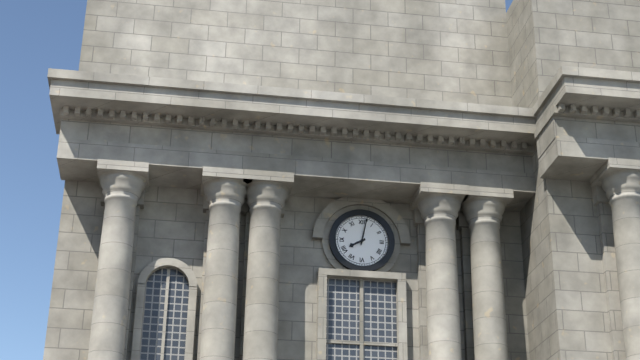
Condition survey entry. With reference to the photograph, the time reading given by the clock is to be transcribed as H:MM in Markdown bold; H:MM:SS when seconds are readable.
**8:02**
